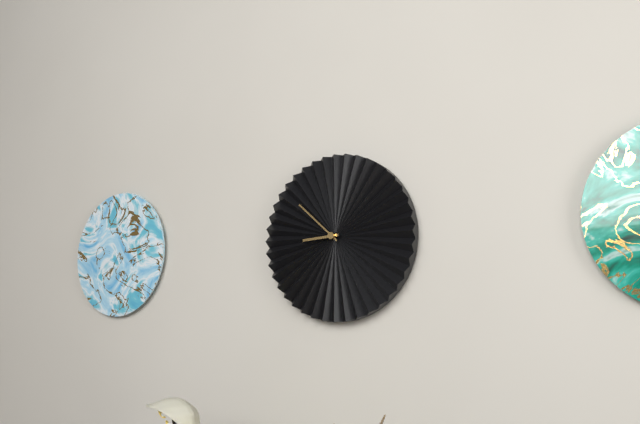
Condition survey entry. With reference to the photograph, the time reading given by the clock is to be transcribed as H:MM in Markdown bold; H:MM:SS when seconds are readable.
**8:52**
